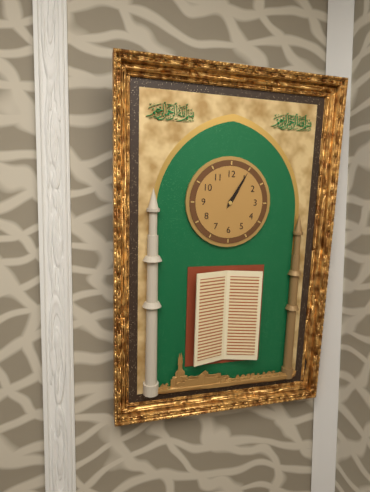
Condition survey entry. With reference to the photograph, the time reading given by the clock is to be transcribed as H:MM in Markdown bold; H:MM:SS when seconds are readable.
**1:05**
